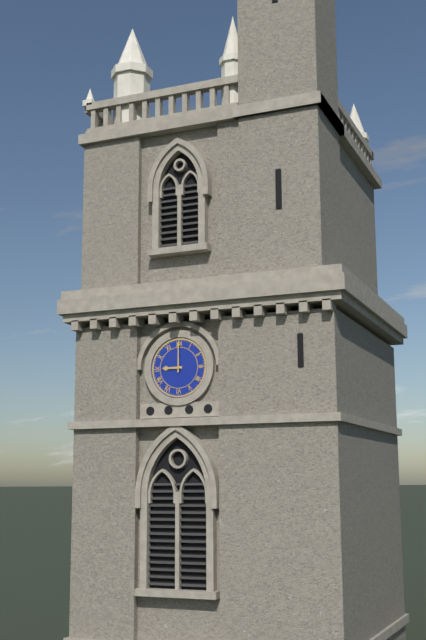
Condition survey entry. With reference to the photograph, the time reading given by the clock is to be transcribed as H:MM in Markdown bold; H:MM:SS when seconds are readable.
**9:00**
